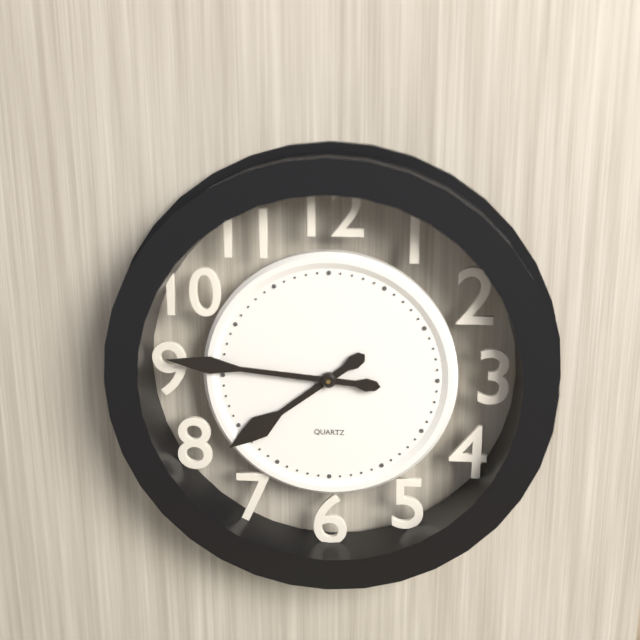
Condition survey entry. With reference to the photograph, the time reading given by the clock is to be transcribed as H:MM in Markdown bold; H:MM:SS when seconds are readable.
**7:46**
